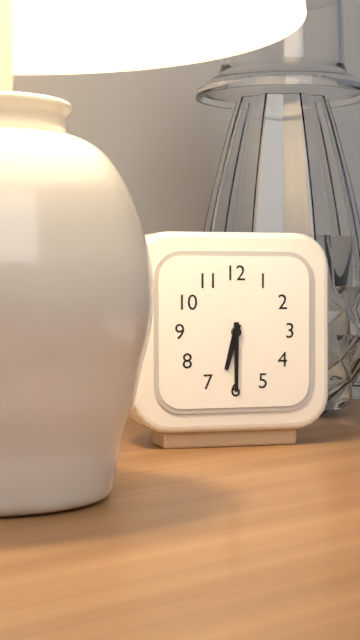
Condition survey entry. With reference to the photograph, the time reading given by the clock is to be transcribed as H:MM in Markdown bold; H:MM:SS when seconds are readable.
**6:30**
